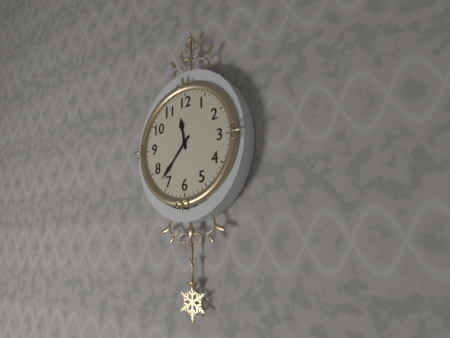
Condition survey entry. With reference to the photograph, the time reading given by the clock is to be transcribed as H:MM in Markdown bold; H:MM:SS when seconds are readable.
**11:37**
